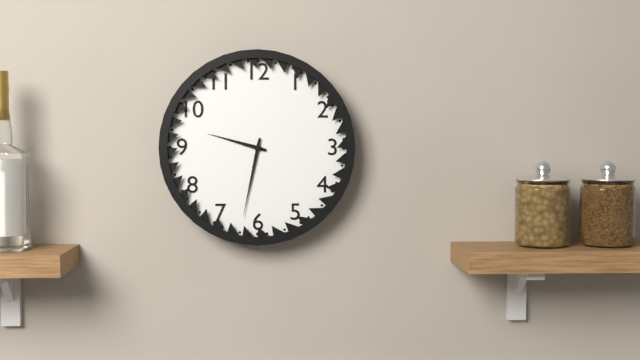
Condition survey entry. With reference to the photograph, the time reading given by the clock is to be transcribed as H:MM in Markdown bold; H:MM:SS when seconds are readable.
**9:32**
